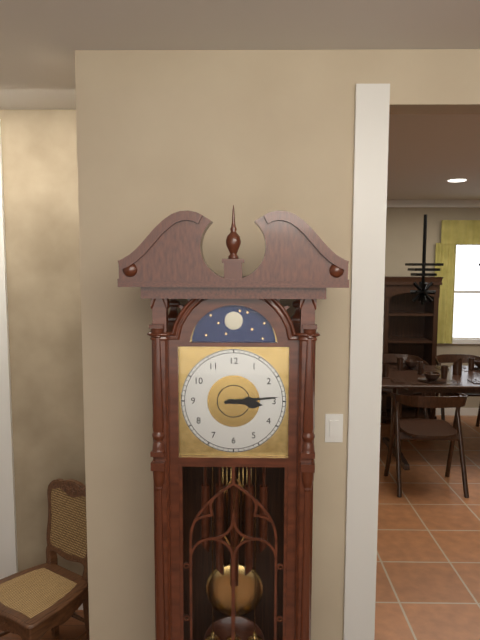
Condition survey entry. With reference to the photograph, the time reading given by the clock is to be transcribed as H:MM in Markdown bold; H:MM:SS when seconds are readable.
**3:14**
